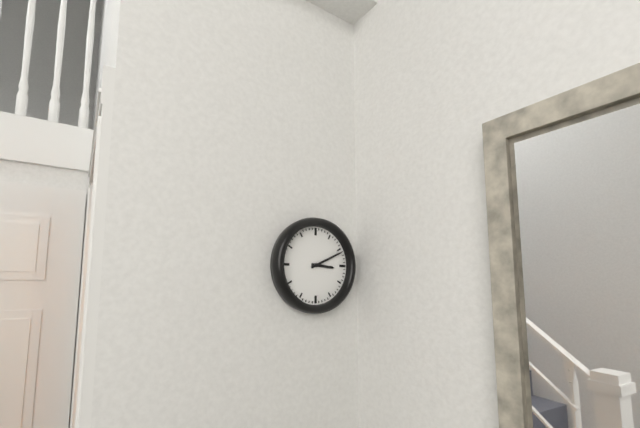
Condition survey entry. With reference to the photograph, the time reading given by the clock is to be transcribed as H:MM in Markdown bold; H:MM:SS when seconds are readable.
**3:11**
